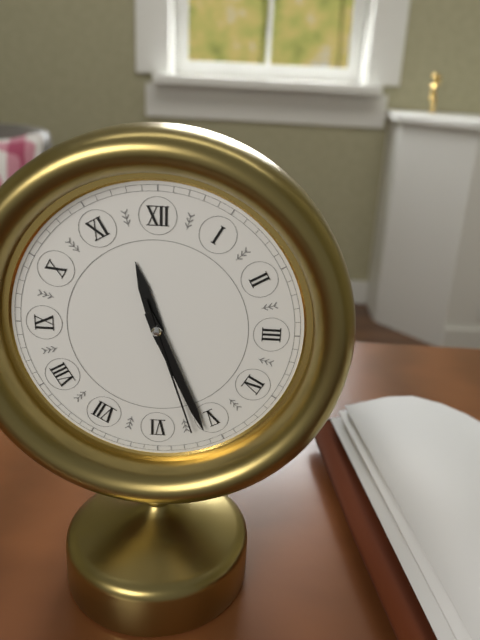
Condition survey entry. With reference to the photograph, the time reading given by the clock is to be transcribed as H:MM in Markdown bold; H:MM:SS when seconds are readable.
**11:26:27**
